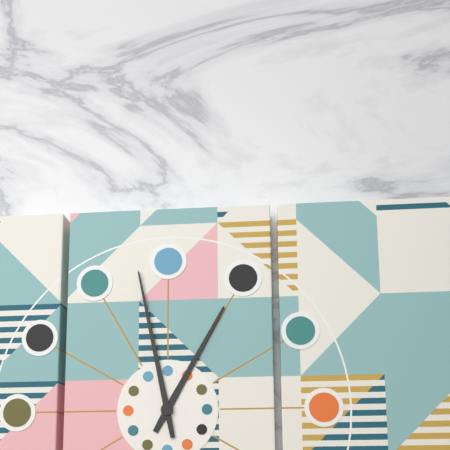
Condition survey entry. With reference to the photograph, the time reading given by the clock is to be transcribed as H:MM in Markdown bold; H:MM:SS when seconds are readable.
**12:58**
